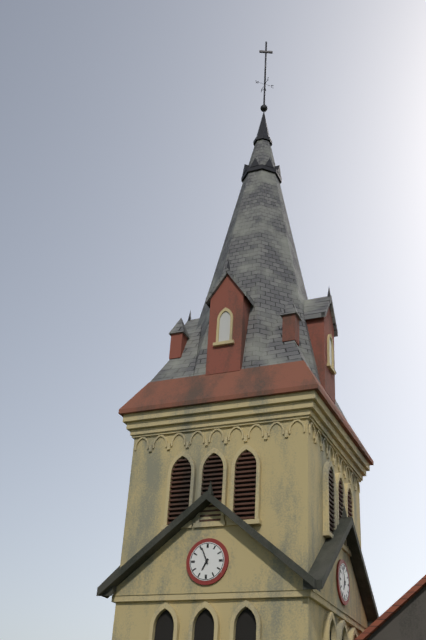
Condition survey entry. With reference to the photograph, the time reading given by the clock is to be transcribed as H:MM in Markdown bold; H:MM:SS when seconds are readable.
**6:56**
